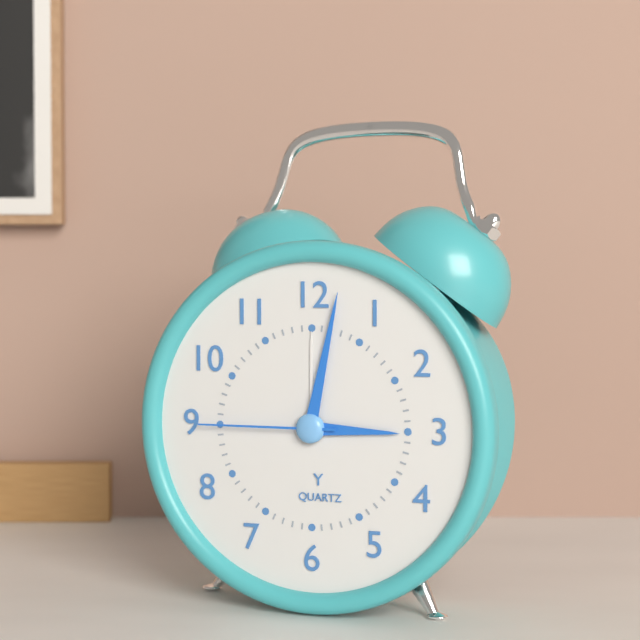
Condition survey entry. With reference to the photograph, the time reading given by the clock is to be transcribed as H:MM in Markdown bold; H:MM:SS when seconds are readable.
**3:02:45**
